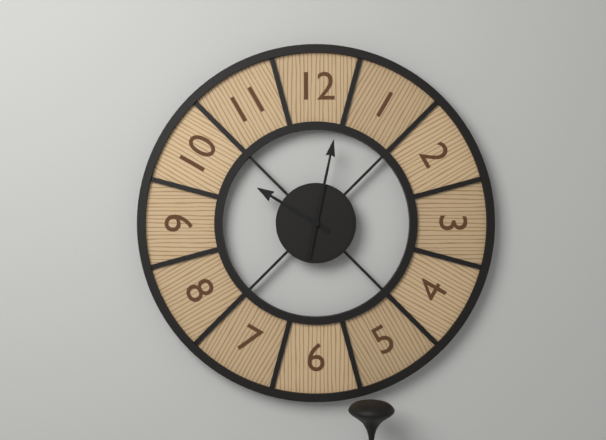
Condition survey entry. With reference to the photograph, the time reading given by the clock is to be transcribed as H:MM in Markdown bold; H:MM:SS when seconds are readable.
**10:02**
